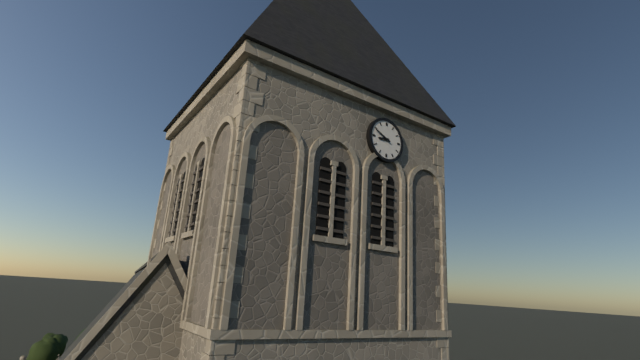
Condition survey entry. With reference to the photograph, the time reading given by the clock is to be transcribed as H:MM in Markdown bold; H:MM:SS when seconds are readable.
**8:49**
